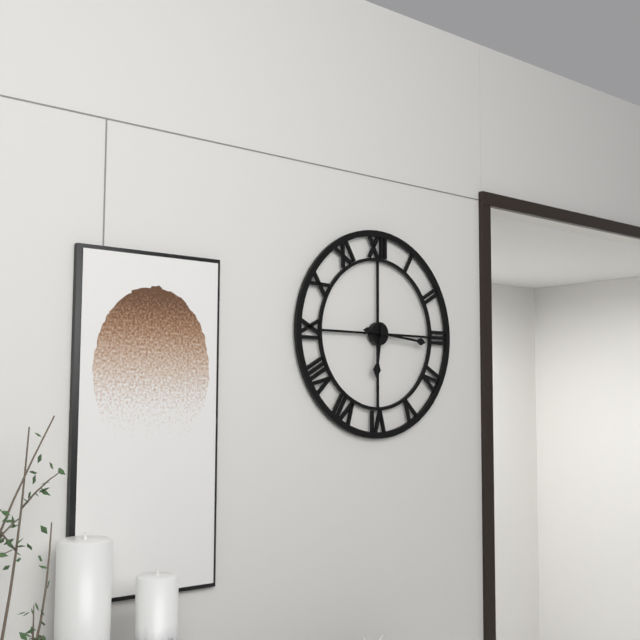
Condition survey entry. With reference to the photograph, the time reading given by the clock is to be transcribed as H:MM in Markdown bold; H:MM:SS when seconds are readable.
**6:16**
